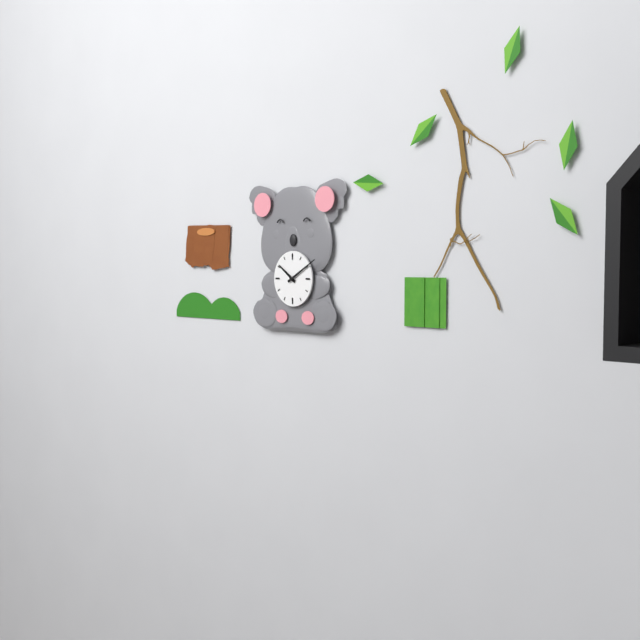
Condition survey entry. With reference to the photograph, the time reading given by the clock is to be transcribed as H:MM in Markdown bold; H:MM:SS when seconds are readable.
**10:10**
